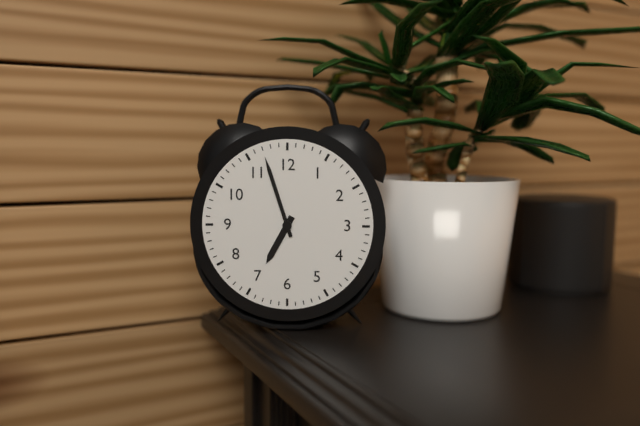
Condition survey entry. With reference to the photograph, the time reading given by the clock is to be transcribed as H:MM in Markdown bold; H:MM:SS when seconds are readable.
**6:57**
